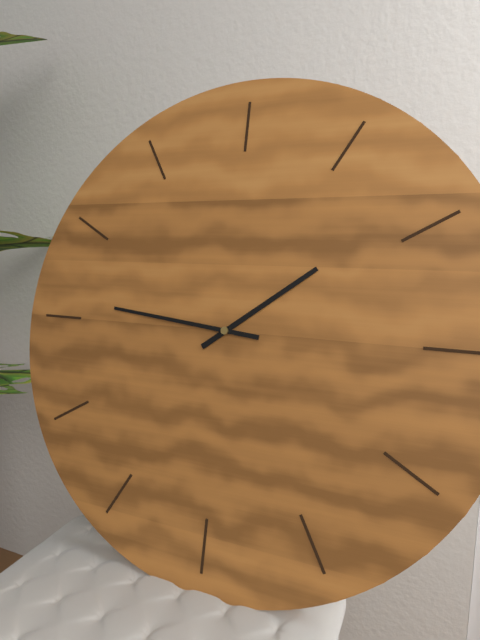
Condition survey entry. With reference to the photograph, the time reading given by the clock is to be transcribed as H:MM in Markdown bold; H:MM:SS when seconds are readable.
**1:46**
